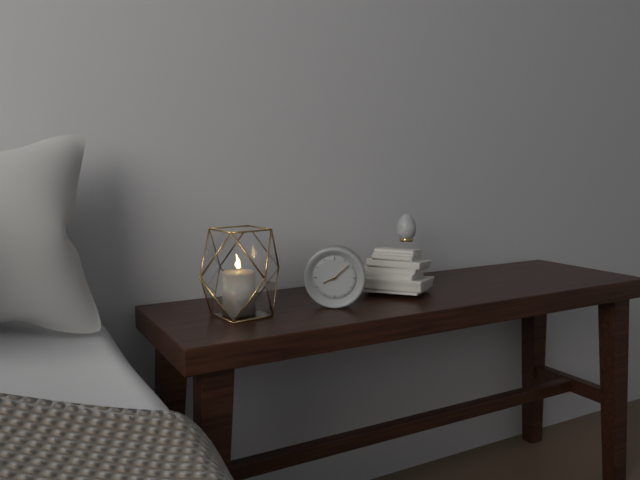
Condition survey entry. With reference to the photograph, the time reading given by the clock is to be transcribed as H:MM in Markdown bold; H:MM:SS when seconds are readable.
**8:08**
